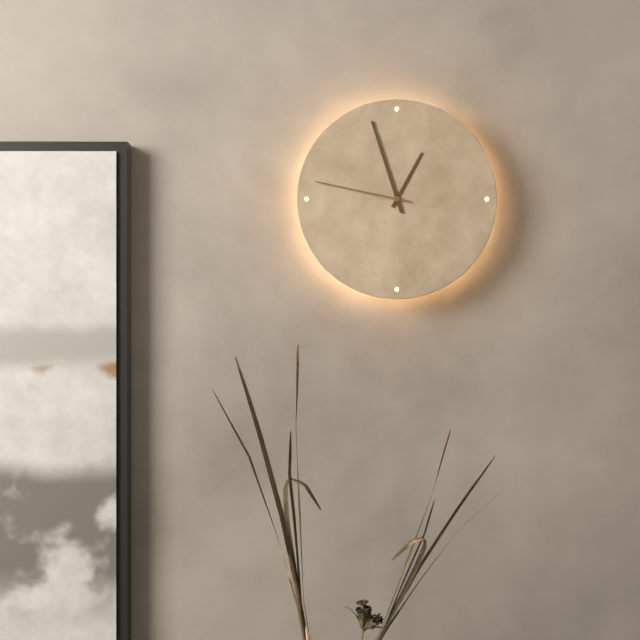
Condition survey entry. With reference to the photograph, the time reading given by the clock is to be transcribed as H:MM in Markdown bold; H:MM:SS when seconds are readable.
**12:57:47**
